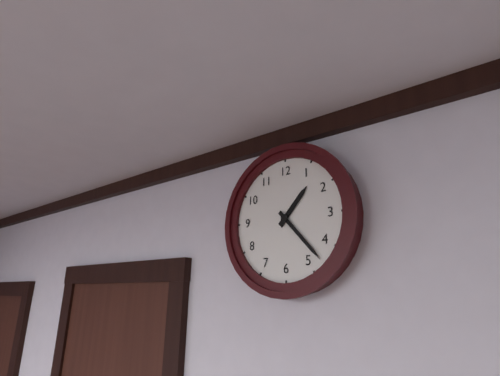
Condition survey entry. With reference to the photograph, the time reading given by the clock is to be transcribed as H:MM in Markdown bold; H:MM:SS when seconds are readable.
**1:23**
